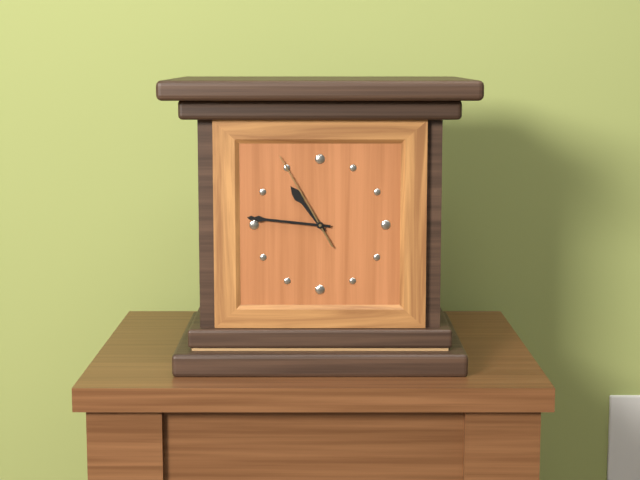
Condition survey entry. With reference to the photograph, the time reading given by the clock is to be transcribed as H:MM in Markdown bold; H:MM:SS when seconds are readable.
**10:46:55**
